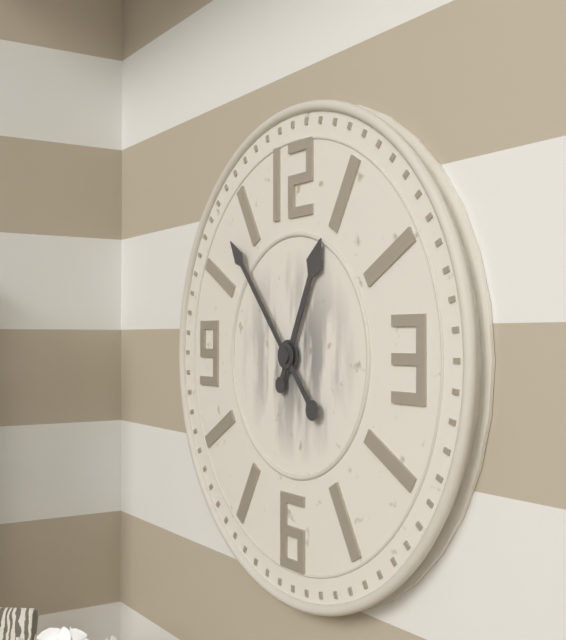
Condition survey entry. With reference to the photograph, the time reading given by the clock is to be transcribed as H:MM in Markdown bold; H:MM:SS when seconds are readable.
**12:53**
